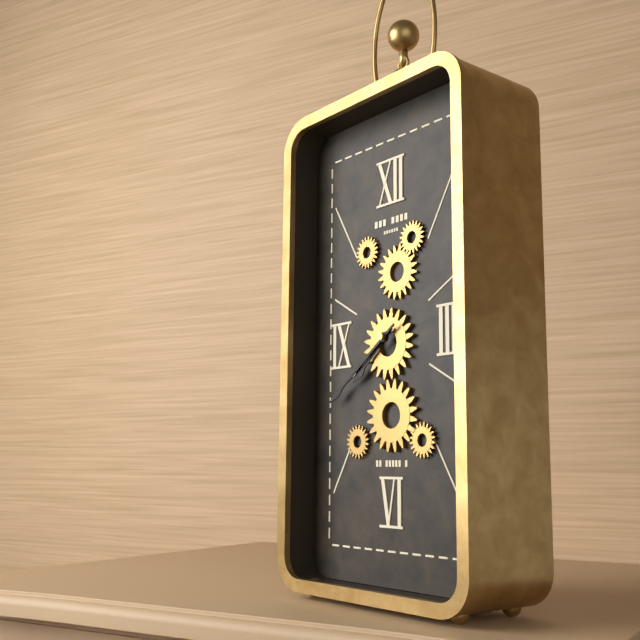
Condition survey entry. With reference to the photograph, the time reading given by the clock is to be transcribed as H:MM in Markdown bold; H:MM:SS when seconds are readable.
**7:39**
